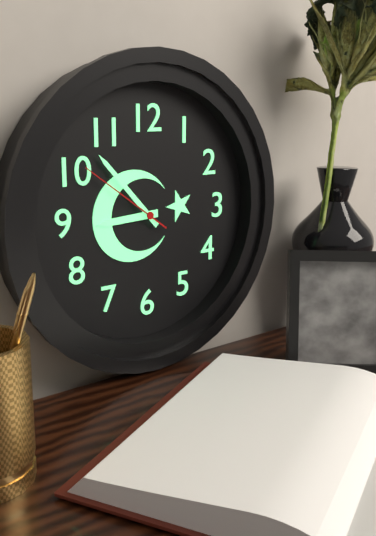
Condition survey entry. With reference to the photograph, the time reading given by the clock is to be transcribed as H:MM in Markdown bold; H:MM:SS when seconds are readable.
**8:53:51**
